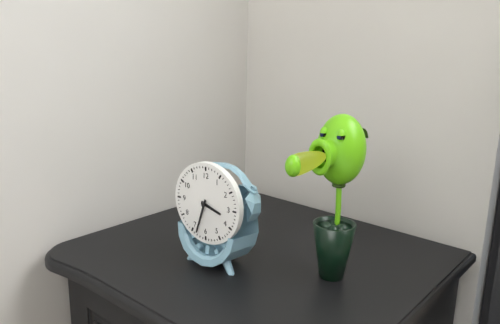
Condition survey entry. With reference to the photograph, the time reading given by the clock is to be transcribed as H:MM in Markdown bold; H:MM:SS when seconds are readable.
**3:33**
